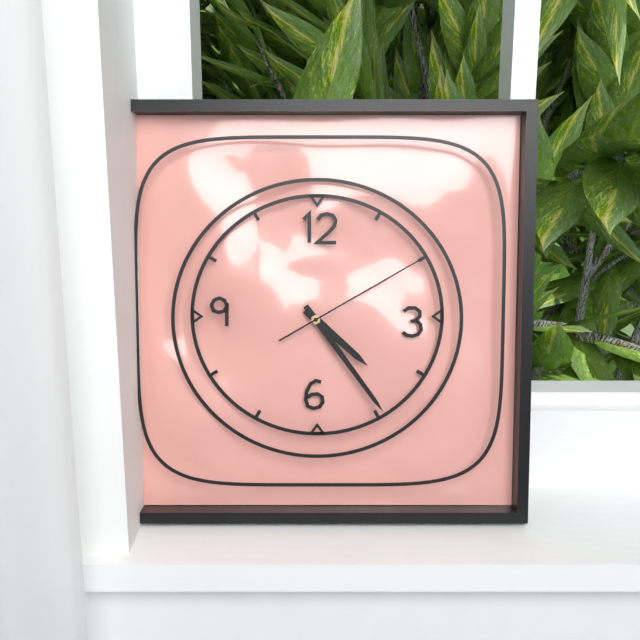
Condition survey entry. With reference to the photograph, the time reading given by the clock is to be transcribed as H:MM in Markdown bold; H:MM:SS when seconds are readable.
**4:24:10**
